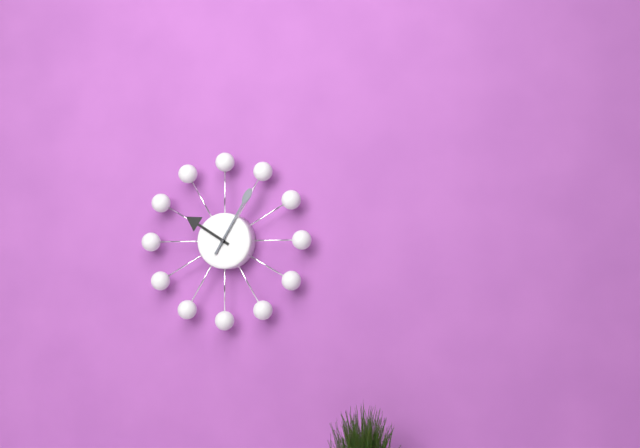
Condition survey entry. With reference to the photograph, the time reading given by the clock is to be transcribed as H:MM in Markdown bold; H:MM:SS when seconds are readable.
**10:05**
